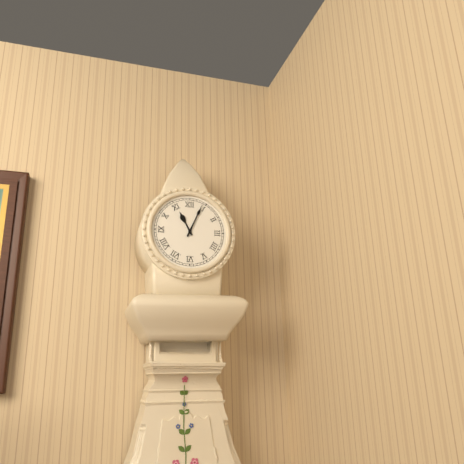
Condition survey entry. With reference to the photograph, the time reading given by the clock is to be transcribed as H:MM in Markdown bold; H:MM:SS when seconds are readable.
**11:04**
